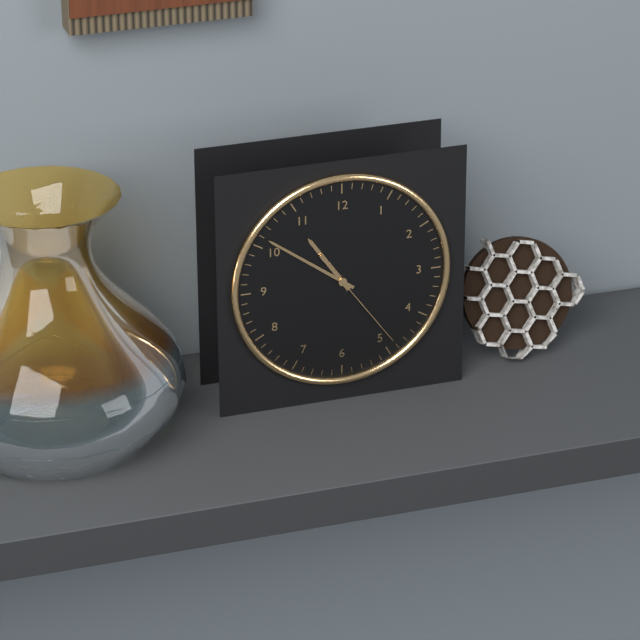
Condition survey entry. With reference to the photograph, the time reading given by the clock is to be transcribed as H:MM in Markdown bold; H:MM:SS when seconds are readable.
**10:51:24**
